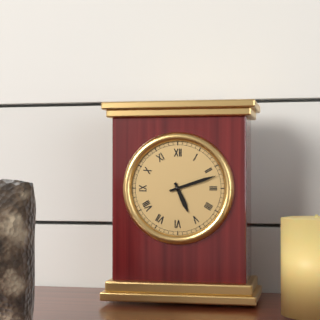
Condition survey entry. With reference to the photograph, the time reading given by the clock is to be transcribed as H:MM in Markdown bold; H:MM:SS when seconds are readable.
**5:12**
